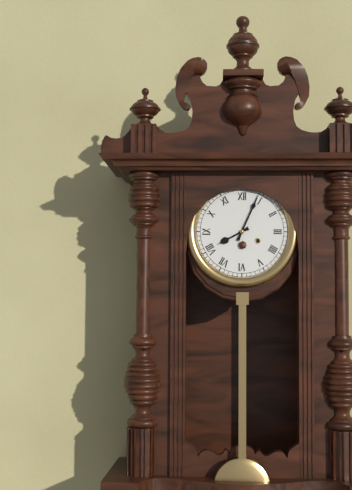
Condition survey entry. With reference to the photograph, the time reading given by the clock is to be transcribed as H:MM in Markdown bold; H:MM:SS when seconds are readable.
**8:04**
